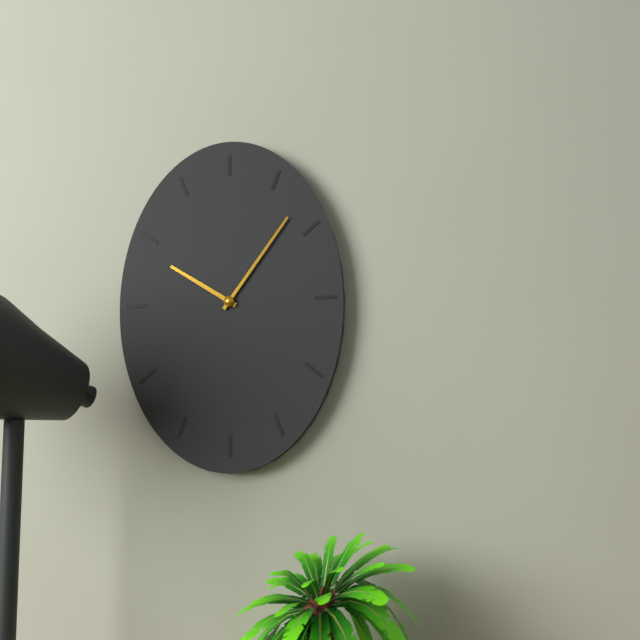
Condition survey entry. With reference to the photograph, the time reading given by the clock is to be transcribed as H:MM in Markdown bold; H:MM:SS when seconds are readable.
**10:06**
